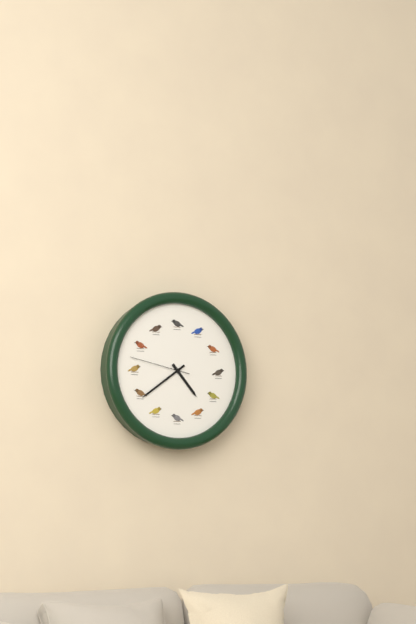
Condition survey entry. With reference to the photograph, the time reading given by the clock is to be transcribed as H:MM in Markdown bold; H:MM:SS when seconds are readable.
**4:39:47**
